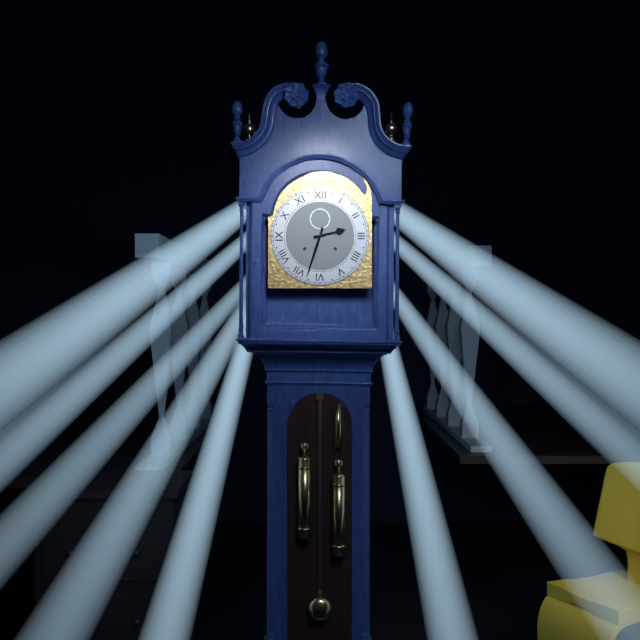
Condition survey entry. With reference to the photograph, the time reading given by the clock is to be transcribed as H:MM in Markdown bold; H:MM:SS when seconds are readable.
**2:33**
